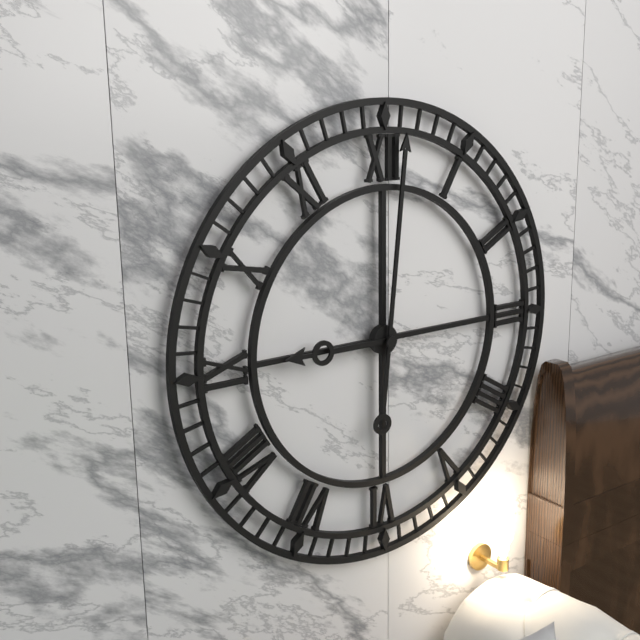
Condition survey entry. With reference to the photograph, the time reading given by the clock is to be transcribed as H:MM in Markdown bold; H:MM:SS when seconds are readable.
**9:01**
